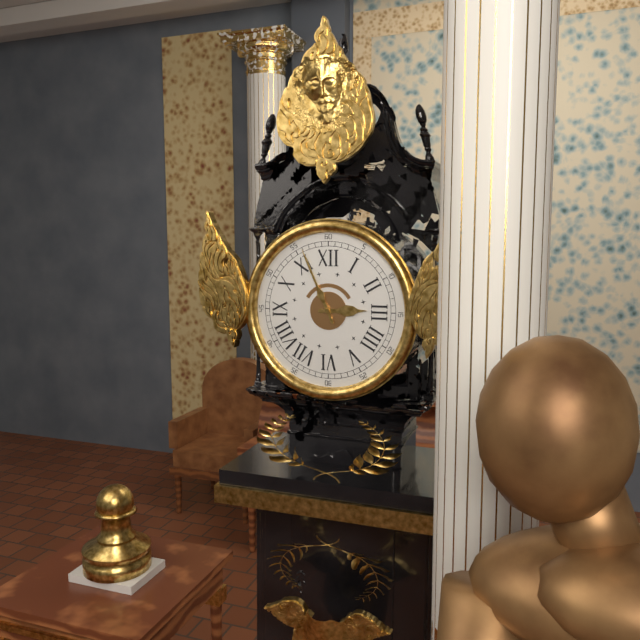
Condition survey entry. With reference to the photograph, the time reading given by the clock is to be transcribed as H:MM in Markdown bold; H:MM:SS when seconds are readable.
**2:56**
